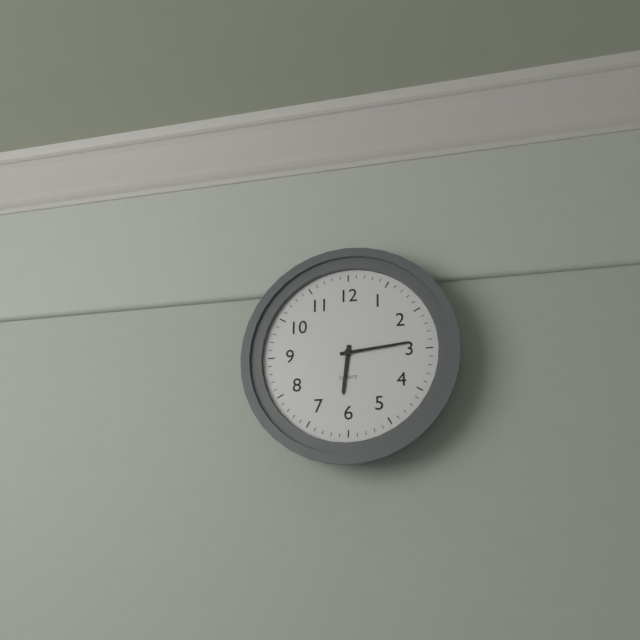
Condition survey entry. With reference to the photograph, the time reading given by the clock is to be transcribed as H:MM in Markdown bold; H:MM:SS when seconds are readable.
**6:14**
